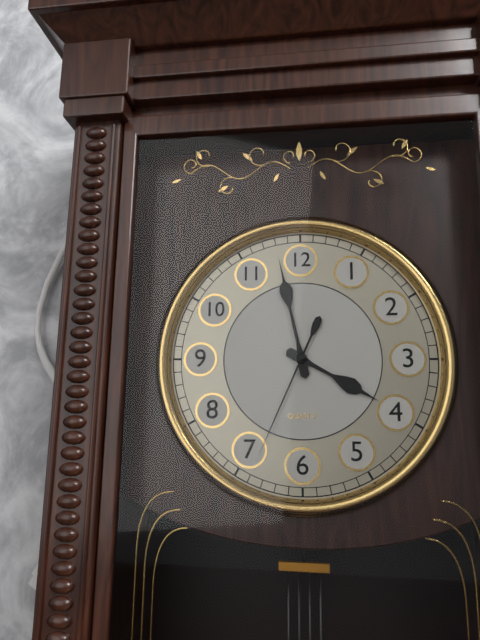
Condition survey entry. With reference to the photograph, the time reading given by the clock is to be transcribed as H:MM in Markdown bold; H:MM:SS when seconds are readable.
**3:58:34**
